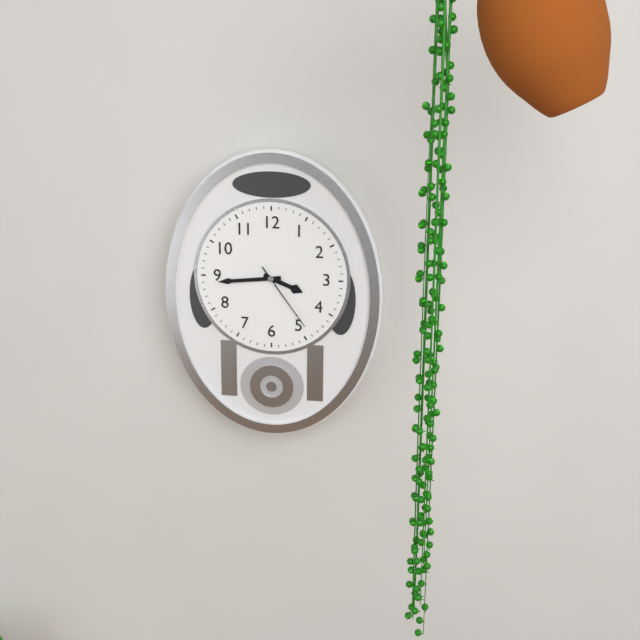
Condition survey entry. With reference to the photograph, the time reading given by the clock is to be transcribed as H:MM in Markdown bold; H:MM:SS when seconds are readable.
**3:44:24**
